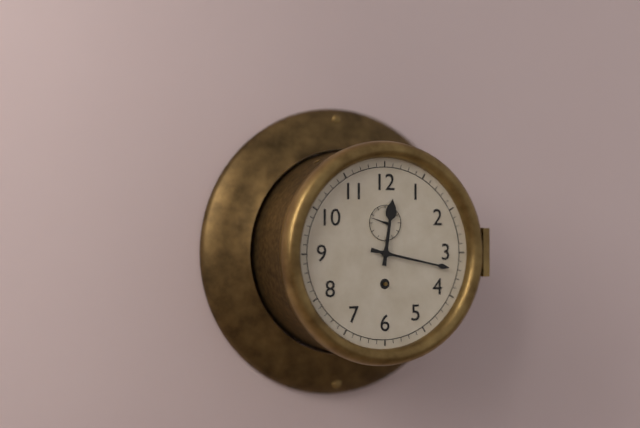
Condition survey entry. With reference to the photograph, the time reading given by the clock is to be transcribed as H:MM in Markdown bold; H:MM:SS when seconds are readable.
**12:17**
